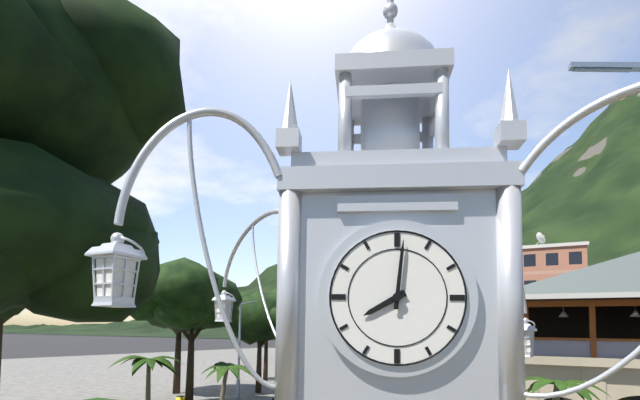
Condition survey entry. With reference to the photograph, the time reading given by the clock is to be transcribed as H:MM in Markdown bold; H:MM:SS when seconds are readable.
**8:01**
